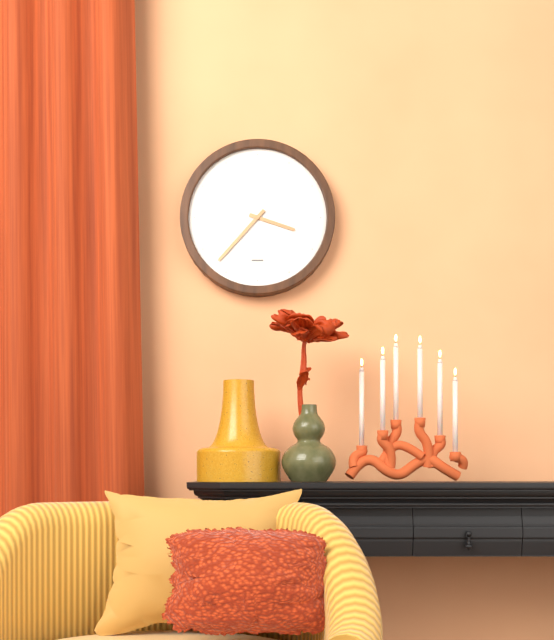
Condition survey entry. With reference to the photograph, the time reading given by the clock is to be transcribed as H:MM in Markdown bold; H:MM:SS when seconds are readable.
**3:37**
